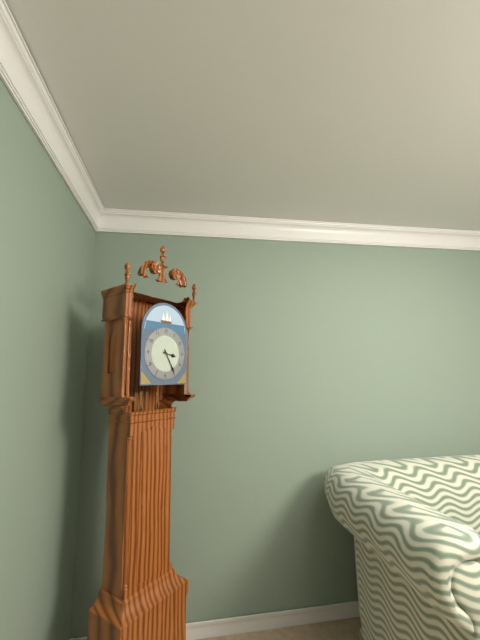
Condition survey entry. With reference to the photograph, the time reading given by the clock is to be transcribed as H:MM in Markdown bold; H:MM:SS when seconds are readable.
**3:25**
